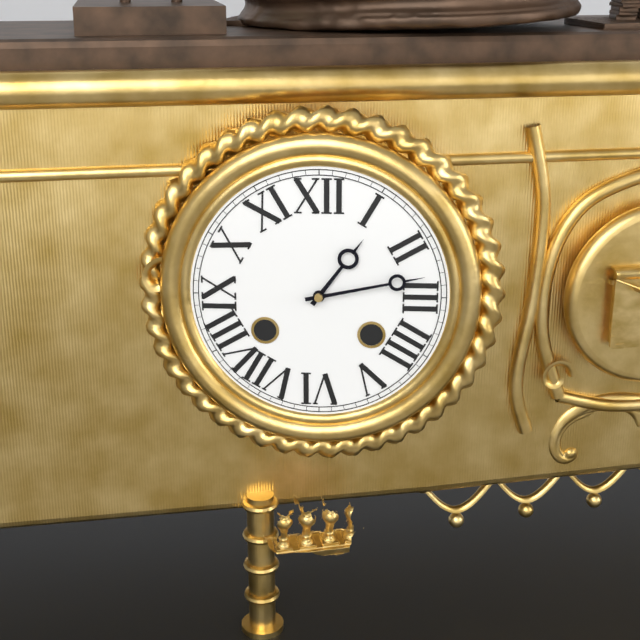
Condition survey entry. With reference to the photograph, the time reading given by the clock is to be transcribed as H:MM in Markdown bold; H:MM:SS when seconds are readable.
**1:13**
